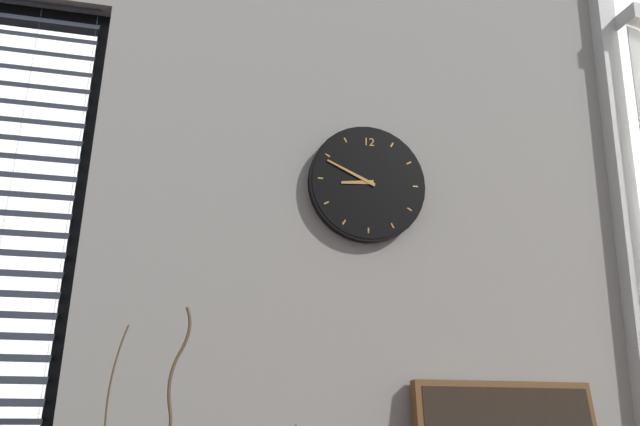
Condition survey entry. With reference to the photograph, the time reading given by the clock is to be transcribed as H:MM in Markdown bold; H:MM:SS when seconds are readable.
**8:49**
